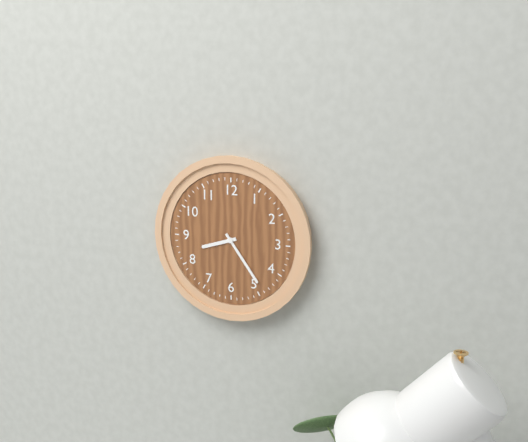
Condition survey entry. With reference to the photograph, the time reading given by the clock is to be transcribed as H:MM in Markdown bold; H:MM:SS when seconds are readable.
**8:24**
